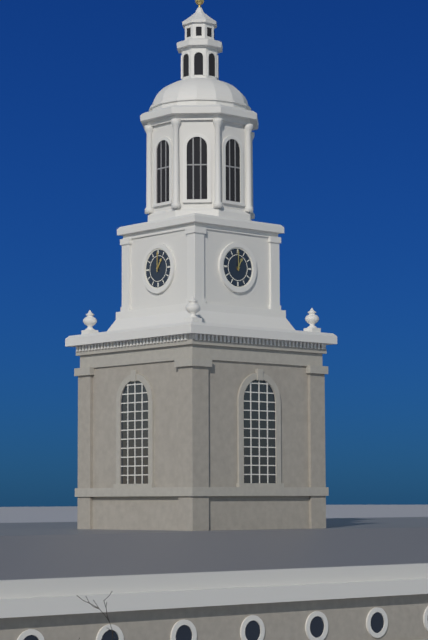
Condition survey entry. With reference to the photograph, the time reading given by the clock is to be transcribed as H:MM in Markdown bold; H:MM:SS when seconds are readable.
**1:00**
